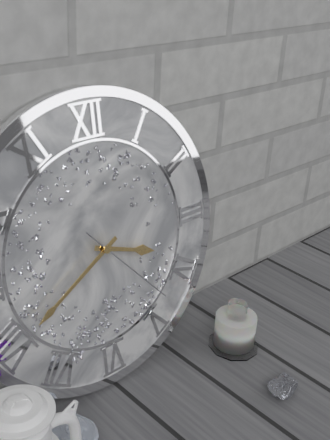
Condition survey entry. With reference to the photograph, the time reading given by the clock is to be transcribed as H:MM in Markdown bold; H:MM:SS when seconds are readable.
**3:40:23**
